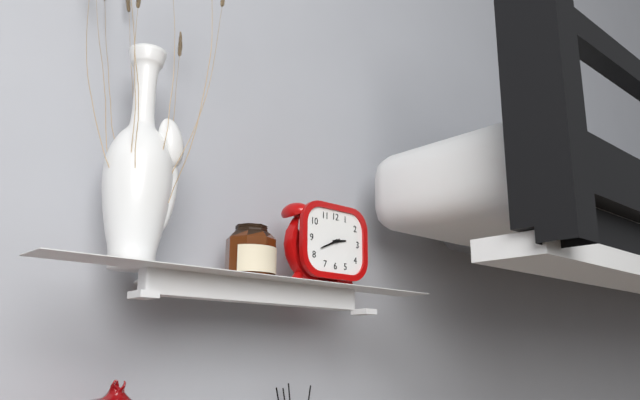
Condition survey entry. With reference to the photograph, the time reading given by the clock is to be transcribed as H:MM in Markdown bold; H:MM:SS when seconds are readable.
**2:41**
